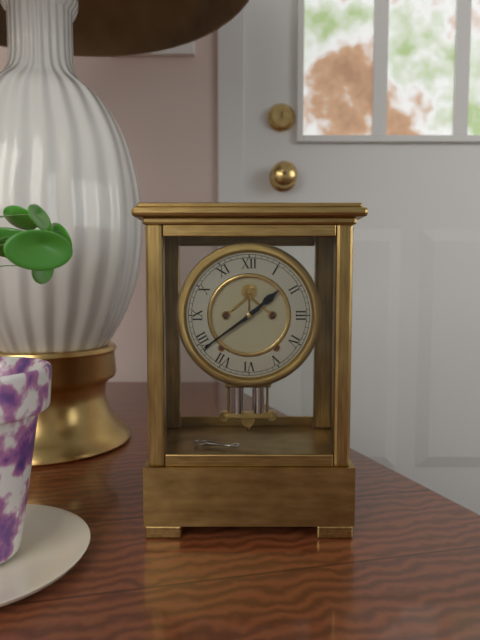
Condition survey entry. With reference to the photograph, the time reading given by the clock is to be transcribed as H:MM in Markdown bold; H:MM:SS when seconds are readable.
**1:39**
